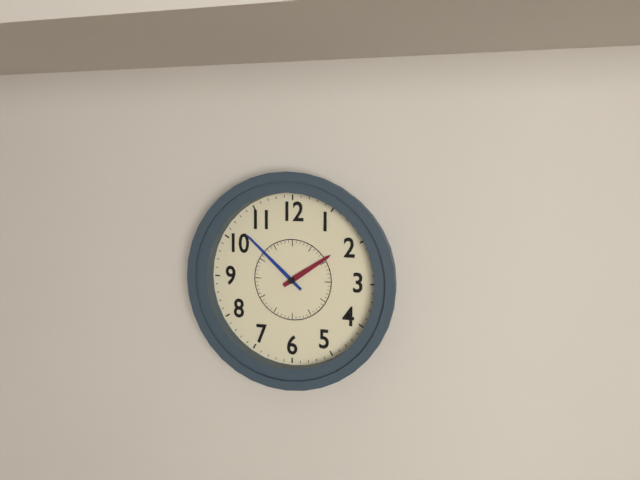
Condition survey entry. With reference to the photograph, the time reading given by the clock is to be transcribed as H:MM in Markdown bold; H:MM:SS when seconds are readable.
**1:52**
